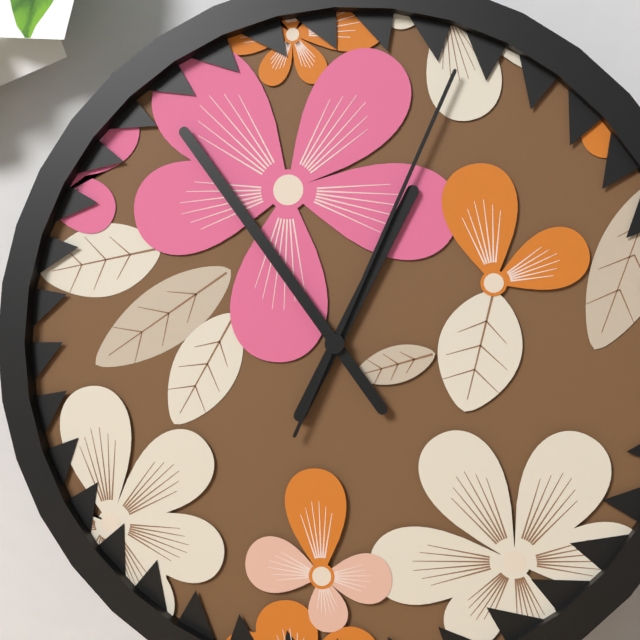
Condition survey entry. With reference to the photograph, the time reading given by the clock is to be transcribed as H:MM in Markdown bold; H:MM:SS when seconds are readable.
**12:54:04**
